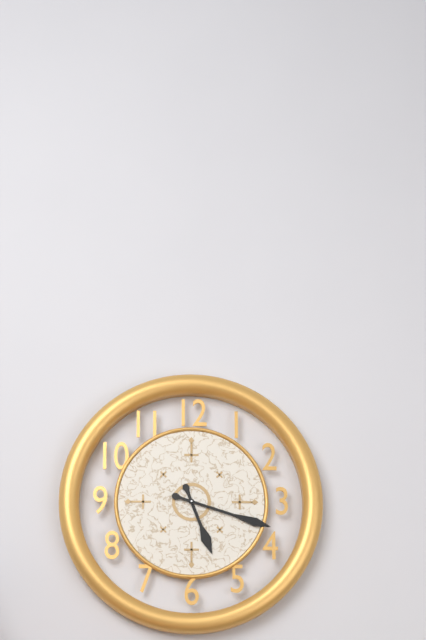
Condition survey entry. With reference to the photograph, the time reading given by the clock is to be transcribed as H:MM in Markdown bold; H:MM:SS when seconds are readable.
**5:18**
